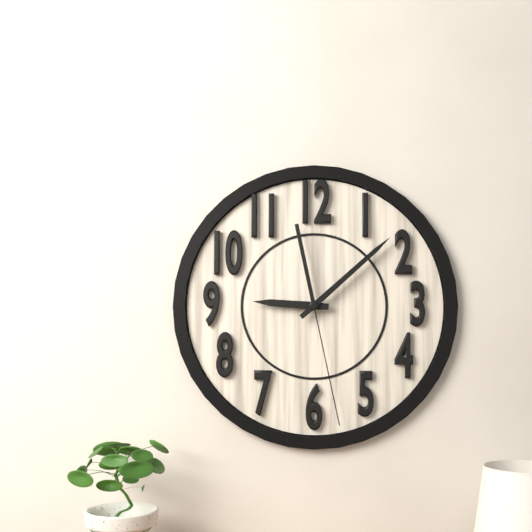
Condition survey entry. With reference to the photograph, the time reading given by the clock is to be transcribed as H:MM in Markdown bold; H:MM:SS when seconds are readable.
**9:08:28**
